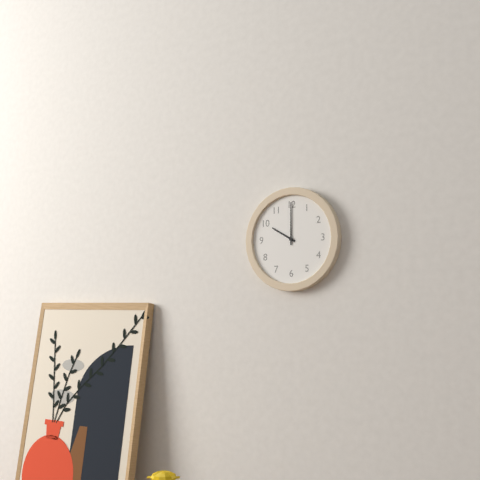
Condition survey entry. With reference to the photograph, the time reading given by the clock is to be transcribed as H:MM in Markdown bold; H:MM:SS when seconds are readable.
**10:00**
